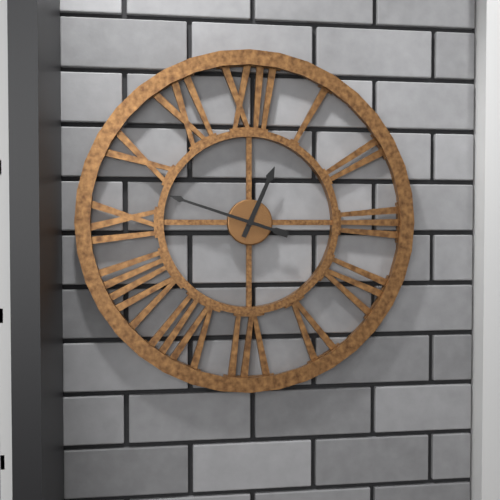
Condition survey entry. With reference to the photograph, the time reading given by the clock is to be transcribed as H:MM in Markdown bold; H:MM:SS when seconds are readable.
**12:48**
